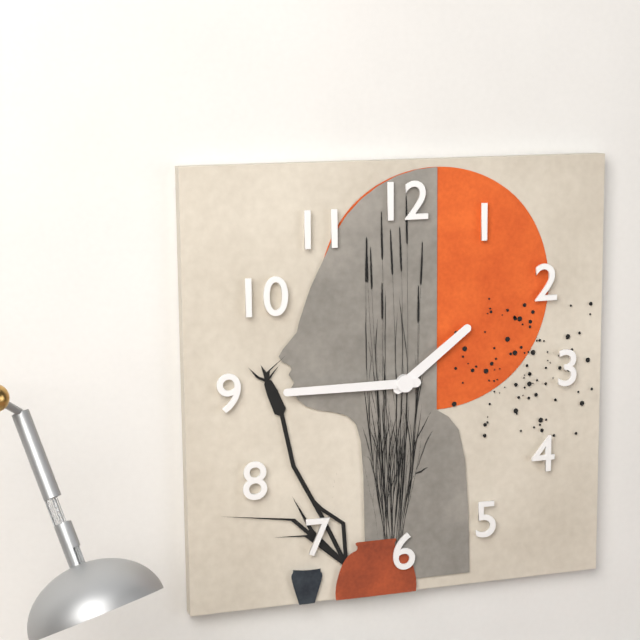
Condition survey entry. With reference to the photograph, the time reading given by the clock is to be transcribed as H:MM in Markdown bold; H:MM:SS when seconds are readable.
**1:45**
